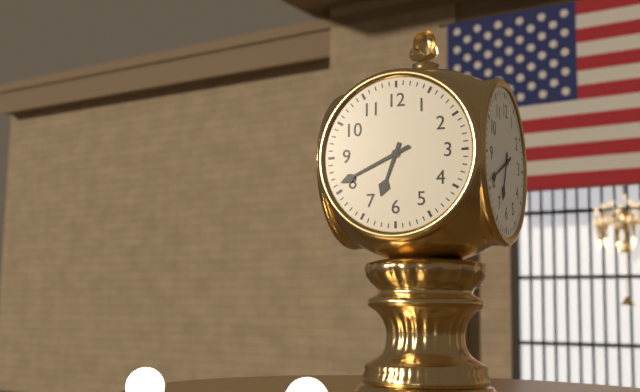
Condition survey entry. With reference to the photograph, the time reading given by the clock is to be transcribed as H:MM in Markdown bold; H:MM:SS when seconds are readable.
**6:41**
